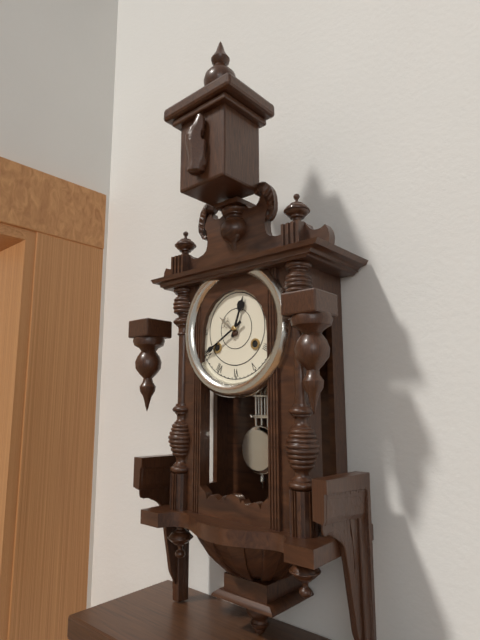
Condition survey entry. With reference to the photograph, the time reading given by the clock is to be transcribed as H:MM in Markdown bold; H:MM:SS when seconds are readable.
**12:40**
